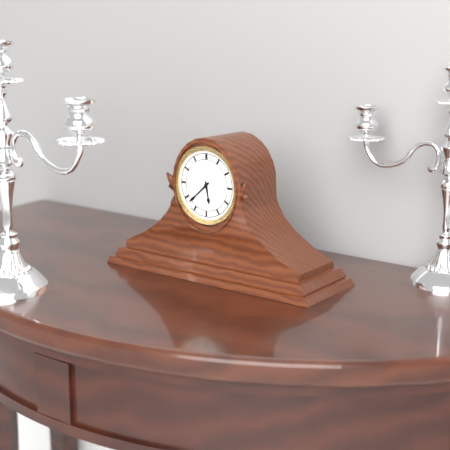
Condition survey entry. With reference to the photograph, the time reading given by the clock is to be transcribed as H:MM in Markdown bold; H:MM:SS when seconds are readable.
**5:38**
